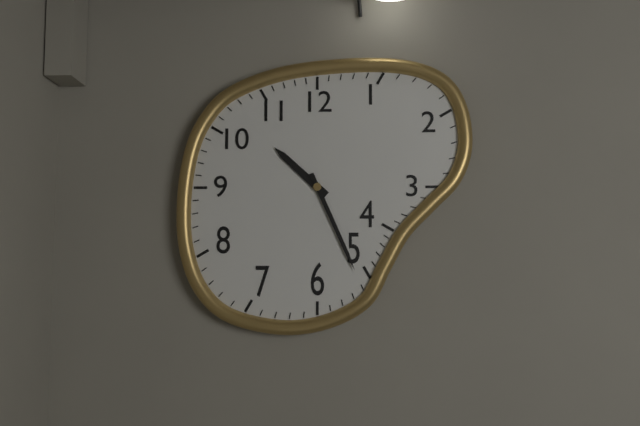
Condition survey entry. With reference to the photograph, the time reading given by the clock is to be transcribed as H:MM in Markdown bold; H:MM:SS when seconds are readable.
**10:26**
